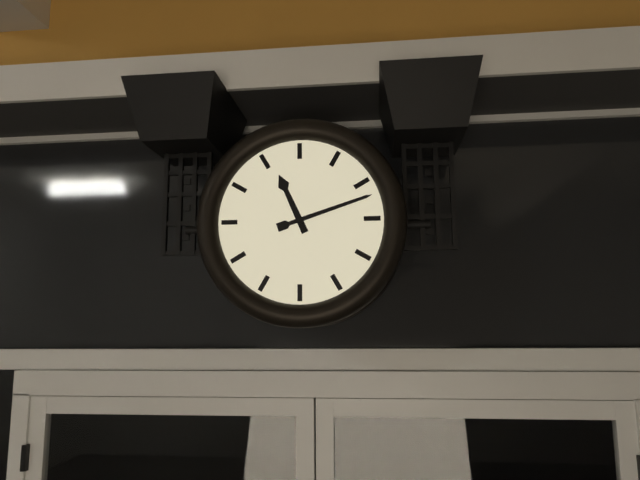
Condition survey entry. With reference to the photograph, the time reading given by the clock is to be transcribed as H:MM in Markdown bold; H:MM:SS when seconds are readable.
**11:12**
